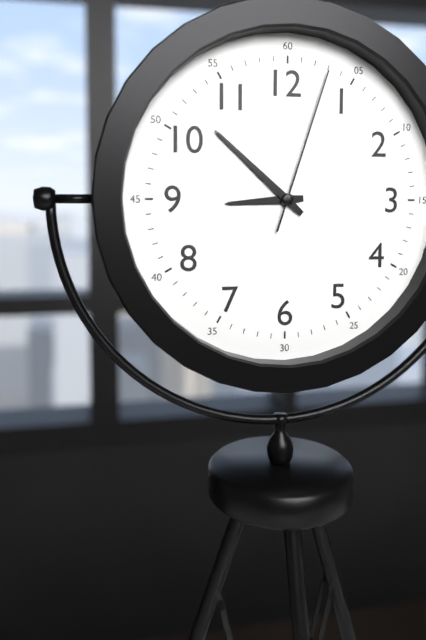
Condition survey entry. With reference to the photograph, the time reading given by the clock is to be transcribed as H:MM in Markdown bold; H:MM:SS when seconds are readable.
**8:52:03**
